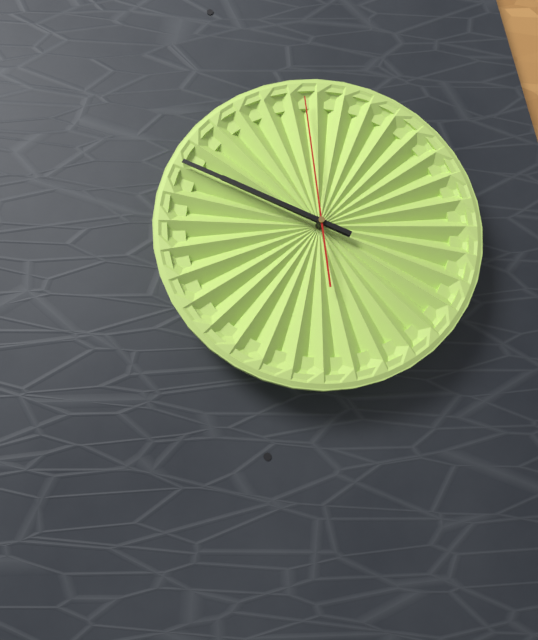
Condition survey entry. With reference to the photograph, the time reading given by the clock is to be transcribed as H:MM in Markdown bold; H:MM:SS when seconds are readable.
**9:49:59**
